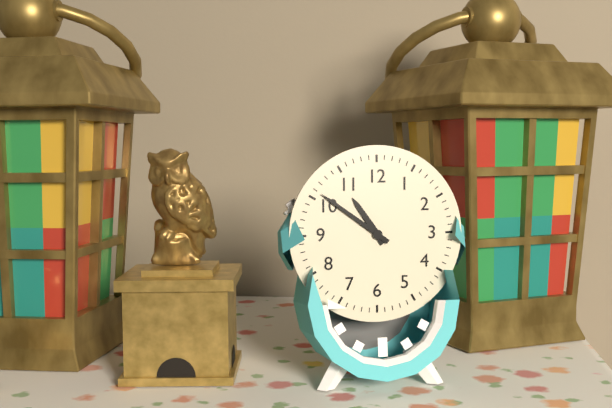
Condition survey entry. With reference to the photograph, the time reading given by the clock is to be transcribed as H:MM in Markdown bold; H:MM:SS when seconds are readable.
**10:51**
